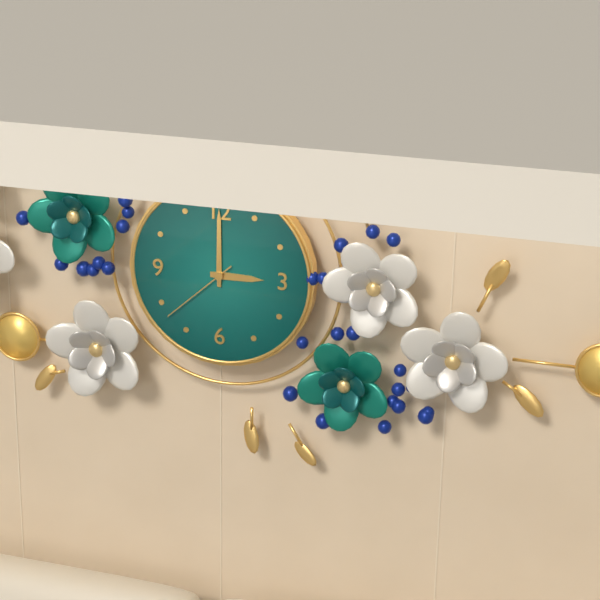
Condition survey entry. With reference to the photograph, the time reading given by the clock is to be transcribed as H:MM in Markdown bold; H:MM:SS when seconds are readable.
**3:00:38**
